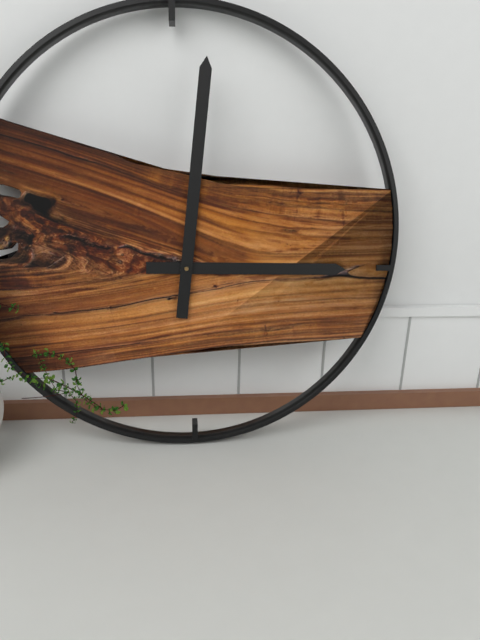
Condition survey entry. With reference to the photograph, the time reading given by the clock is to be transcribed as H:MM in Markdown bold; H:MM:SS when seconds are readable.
**3:01**
